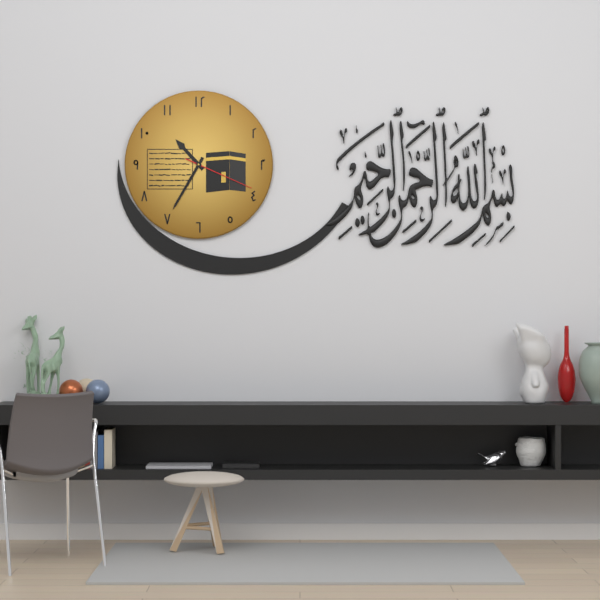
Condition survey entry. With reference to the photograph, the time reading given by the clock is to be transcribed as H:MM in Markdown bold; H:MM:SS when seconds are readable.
**10:35:19**
